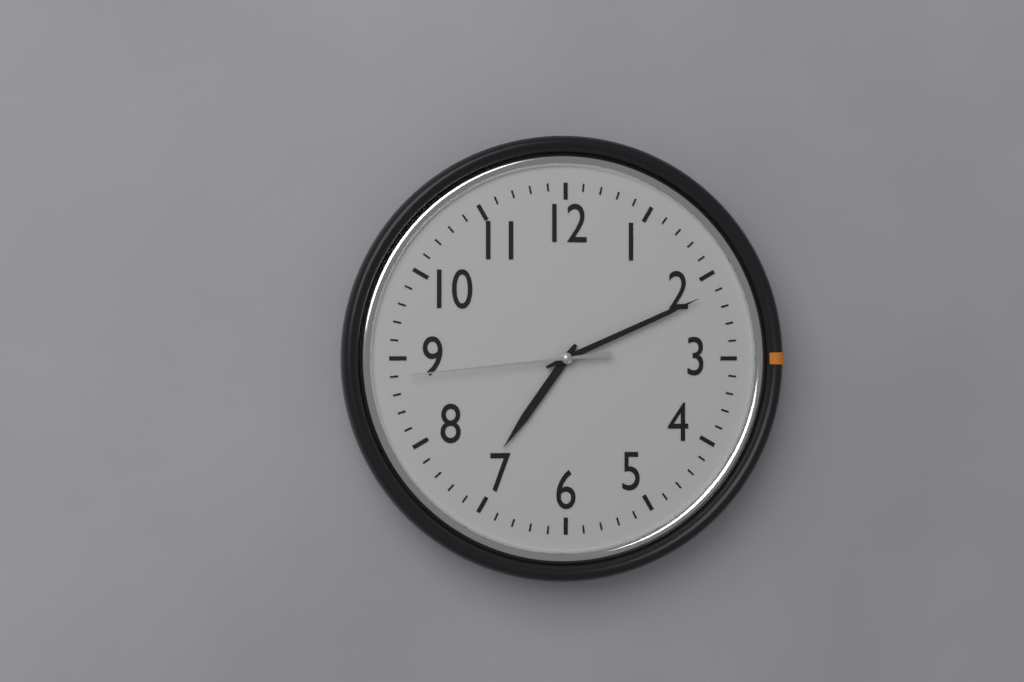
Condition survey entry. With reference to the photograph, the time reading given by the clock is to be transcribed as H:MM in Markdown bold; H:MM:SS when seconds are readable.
**7:11:44**
